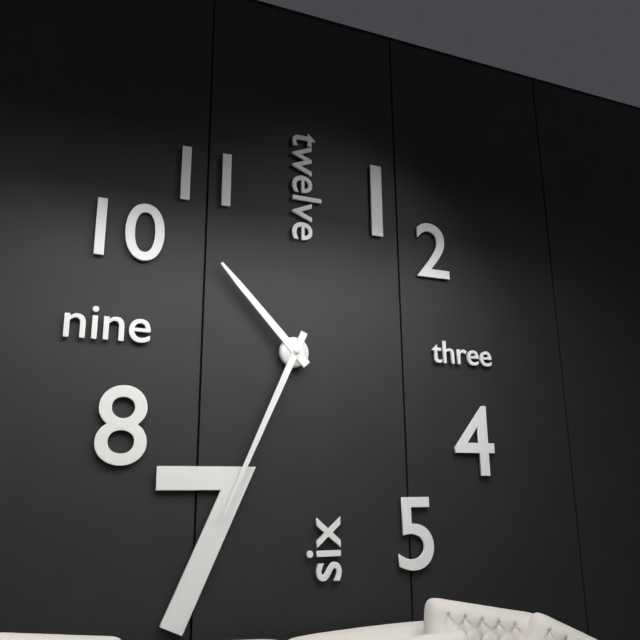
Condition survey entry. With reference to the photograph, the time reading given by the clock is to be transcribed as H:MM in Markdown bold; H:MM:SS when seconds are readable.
**10:34**
